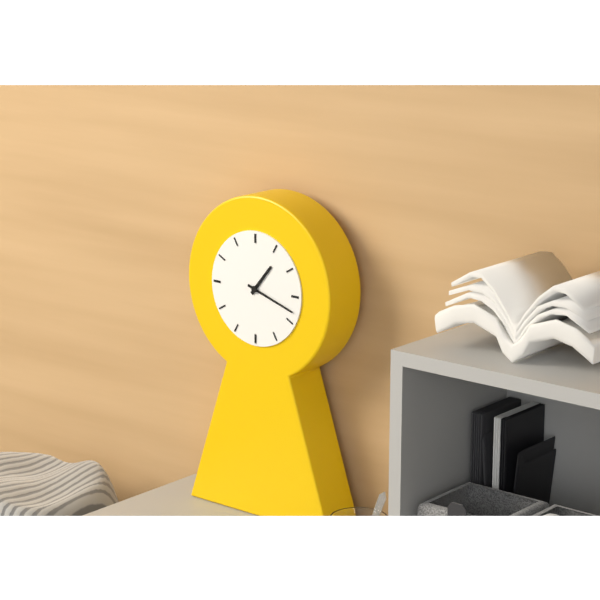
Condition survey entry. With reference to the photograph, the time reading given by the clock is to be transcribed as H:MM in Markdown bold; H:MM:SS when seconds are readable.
**1:18**
